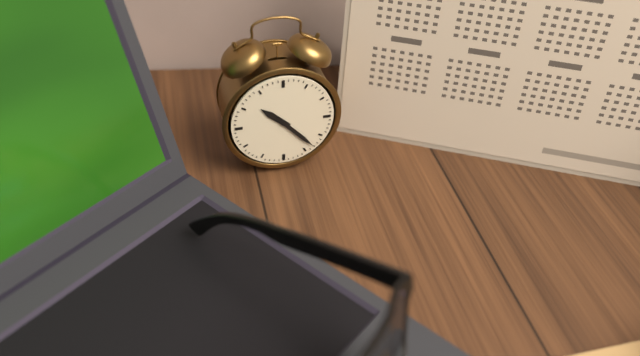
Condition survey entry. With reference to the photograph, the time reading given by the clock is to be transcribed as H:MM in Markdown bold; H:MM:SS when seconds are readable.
**10:23**
